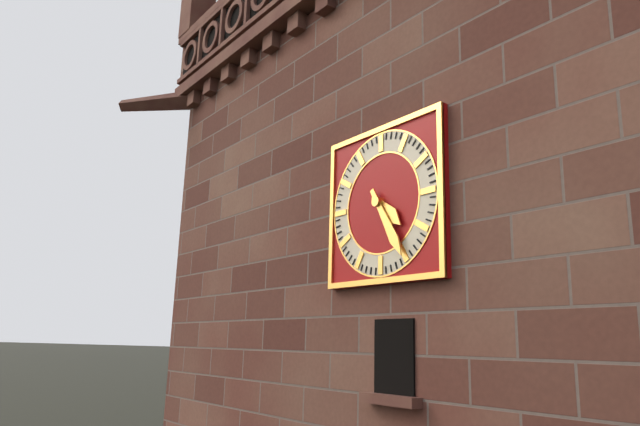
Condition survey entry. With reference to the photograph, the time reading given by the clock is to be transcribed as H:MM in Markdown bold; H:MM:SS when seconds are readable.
**4:25**
